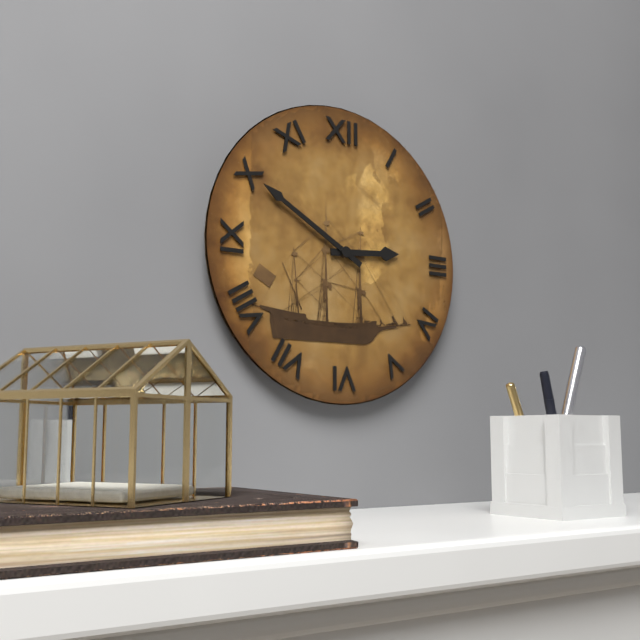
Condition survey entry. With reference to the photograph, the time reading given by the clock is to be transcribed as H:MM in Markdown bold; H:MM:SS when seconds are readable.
**2:50**
